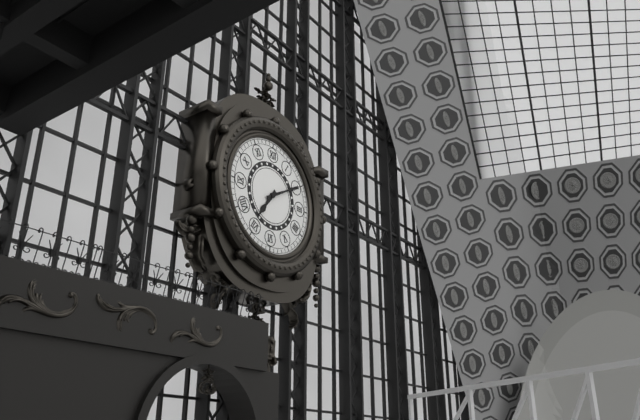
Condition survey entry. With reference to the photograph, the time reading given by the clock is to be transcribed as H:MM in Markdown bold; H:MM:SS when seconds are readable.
**7:10**
